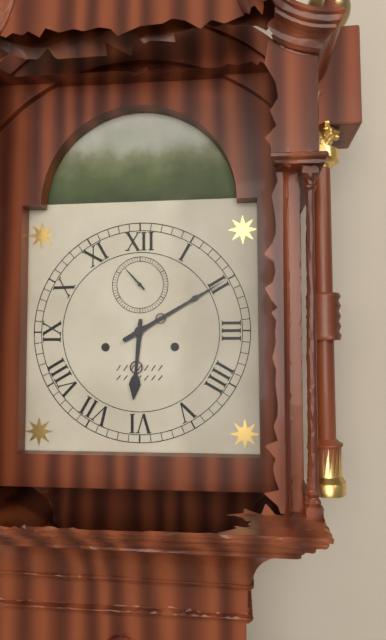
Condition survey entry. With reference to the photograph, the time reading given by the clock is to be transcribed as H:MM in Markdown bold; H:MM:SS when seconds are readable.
**6:10**
